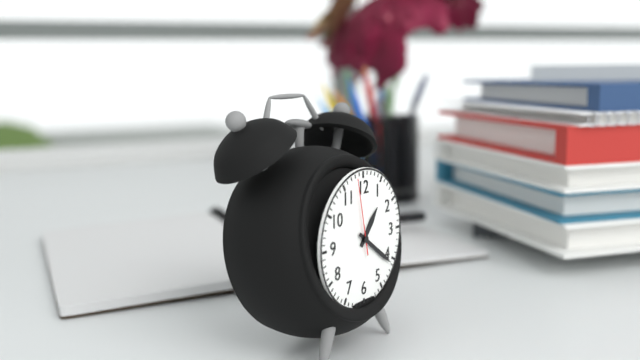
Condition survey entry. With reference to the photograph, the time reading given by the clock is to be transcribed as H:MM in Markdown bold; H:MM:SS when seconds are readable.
**1:21:58**
